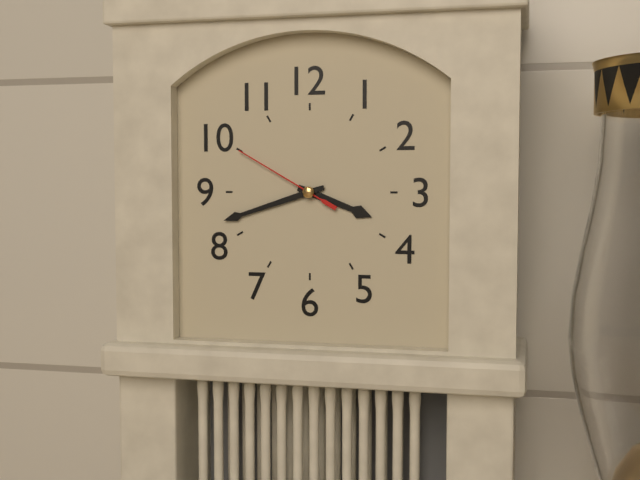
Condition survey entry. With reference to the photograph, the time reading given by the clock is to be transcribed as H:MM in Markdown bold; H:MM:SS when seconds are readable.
**3:42:50**
